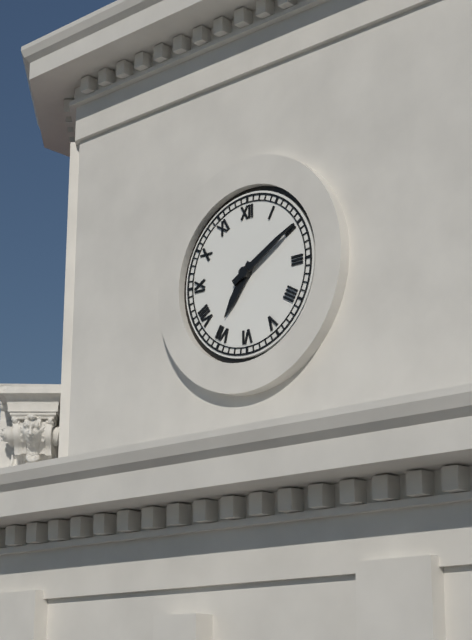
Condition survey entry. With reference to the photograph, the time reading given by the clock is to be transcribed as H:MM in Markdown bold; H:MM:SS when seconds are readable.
**7:10**
